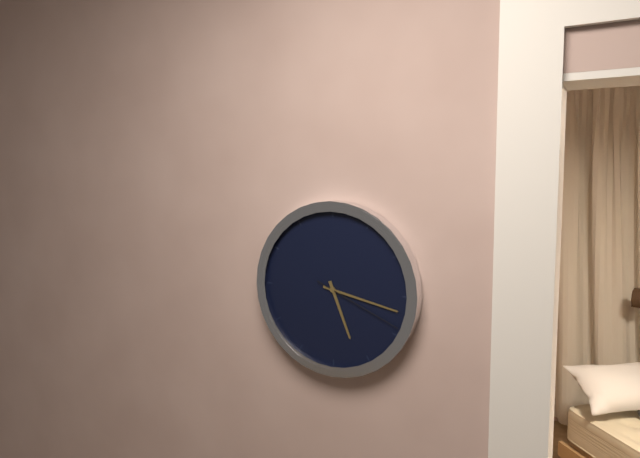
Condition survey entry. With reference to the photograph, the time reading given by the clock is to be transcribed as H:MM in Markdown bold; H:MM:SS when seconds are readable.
**5:17:19**
